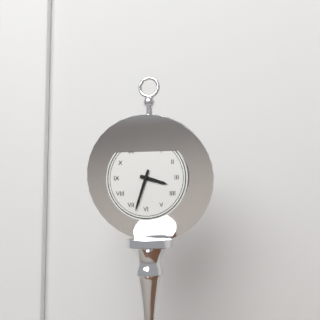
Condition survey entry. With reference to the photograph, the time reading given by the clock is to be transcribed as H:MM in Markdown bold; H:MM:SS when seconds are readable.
**3:33**
